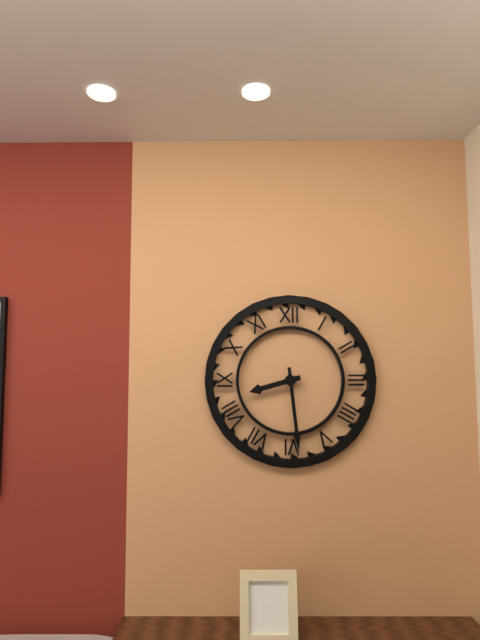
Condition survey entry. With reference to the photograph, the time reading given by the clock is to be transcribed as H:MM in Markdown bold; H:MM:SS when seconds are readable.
**8:29**
